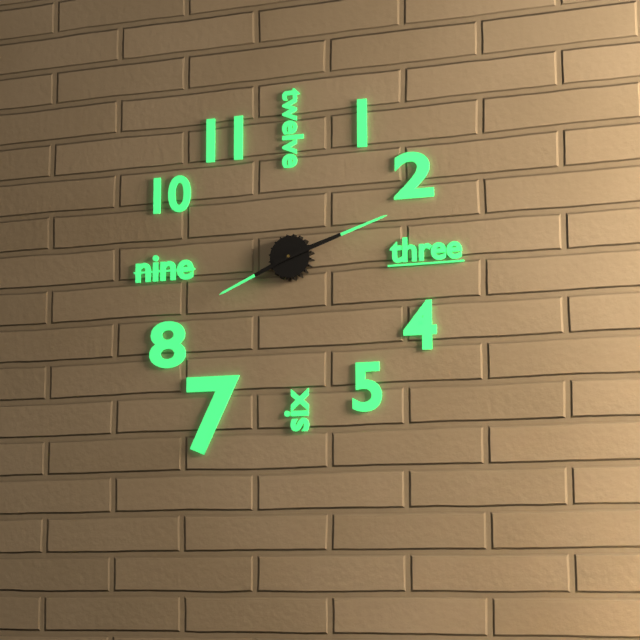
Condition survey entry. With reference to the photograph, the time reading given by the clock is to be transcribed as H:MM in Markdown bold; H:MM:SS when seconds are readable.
**8:12**
